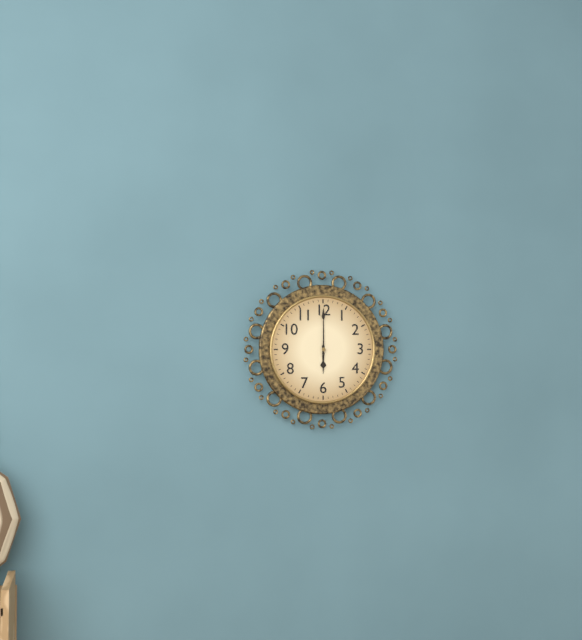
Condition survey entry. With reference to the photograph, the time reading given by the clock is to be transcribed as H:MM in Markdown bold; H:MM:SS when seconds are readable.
**6:00**
